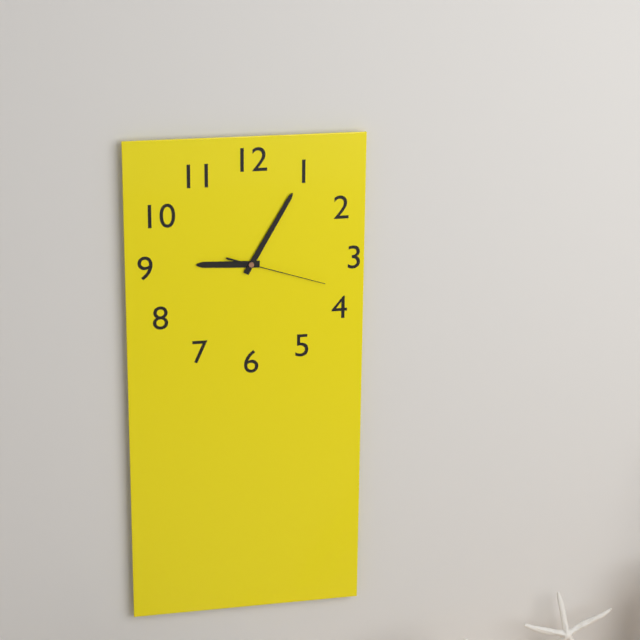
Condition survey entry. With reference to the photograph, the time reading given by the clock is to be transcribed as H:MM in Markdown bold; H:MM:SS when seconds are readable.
**9:05:18**
